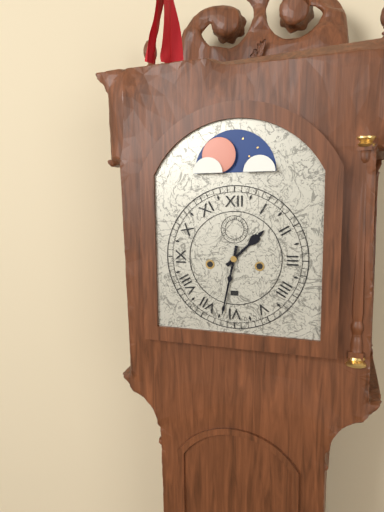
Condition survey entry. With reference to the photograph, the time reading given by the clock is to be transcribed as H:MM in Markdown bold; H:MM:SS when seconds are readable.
**1:32**
